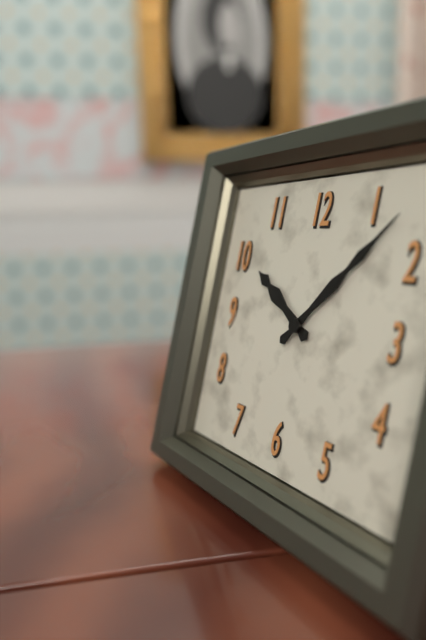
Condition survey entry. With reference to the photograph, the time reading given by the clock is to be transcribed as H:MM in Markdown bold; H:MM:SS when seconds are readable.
**10:07**
